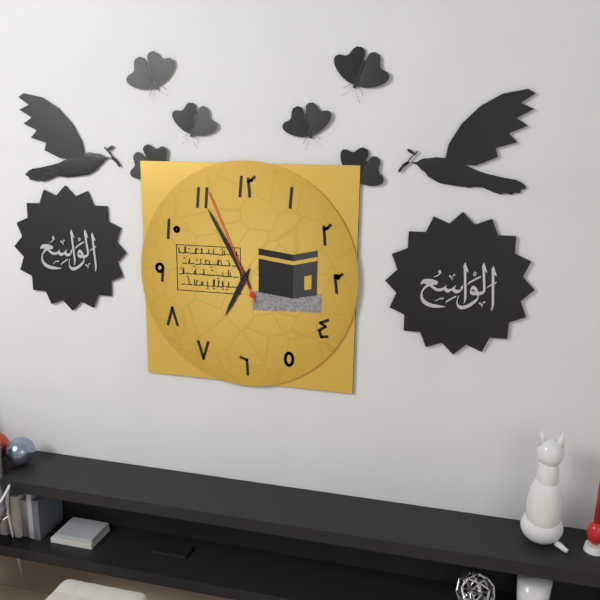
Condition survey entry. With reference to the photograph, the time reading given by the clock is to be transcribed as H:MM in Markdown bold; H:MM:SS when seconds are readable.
**6:55:56**
